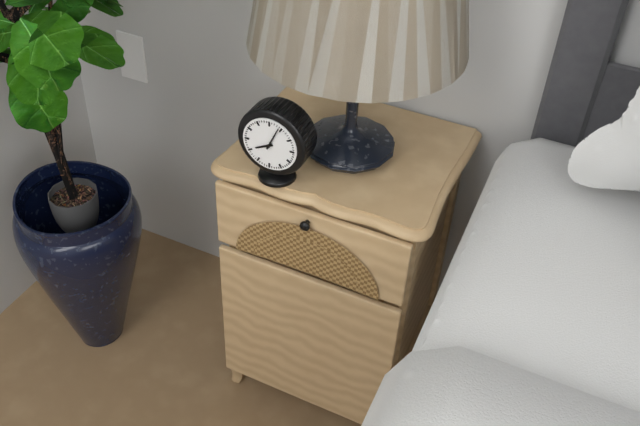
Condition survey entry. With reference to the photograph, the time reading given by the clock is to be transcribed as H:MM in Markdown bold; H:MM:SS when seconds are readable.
**8:04**
